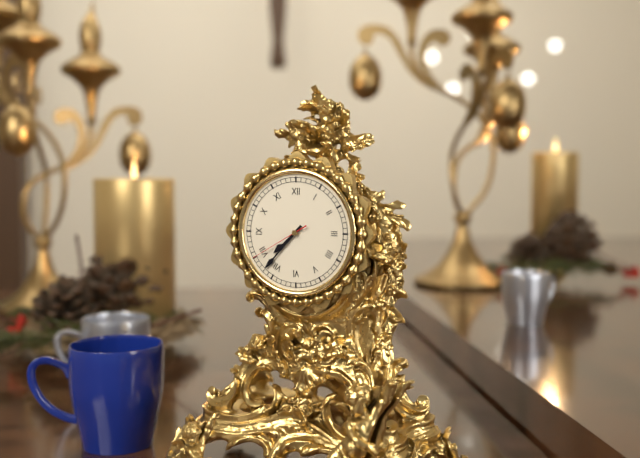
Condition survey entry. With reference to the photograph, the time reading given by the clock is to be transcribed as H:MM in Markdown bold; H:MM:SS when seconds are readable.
**7:37:40**
